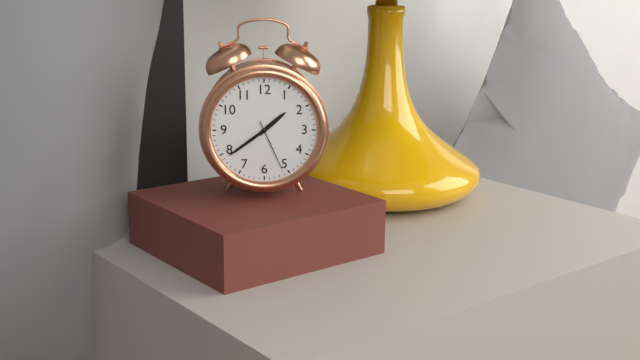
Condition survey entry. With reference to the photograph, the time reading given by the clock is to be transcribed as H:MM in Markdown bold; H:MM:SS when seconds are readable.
**1:39:26**
